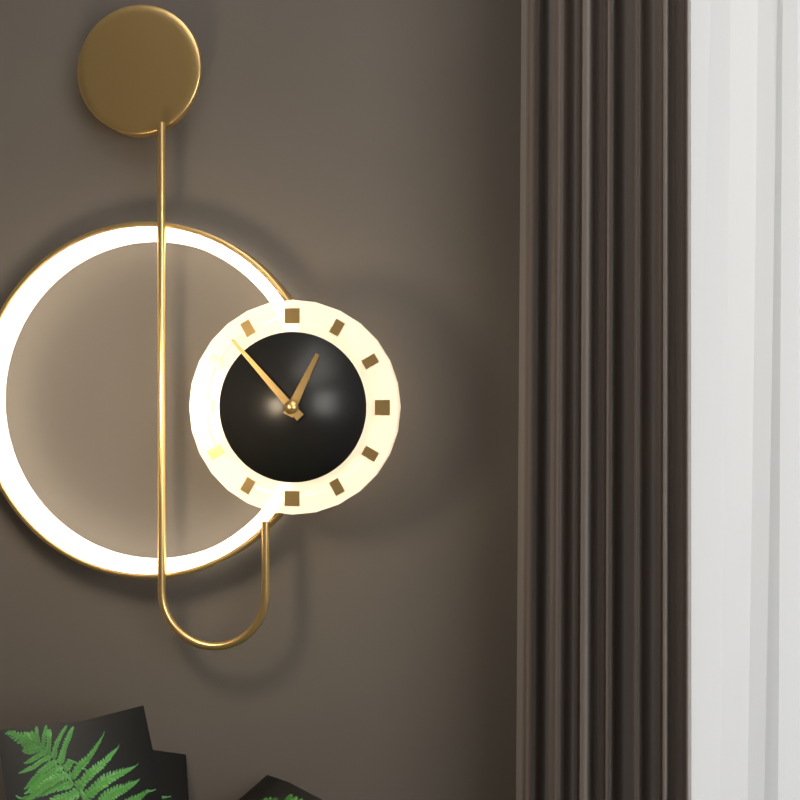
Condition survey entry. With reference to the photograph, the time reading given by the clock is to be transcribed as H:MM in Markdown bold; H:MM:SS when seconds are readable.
**12:53**
